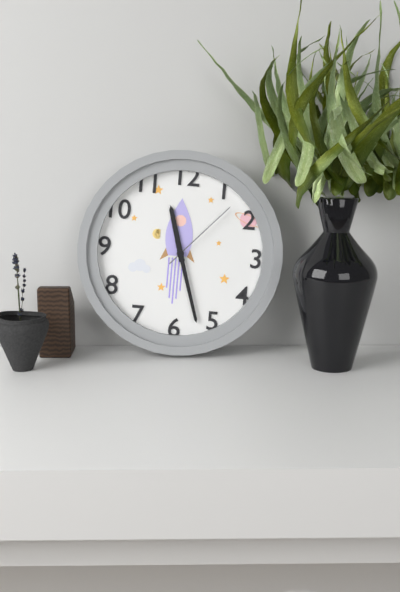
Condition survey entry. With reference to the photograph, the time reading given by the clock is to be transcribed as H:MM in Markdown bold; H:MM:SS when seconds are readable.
**11:27:07**
